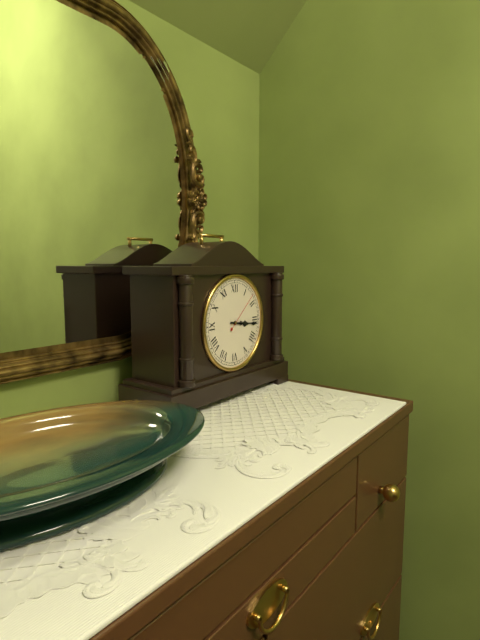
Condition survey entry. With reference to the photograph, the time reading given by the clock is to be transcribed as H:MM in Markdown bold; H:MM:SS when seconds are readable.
**3:16**
